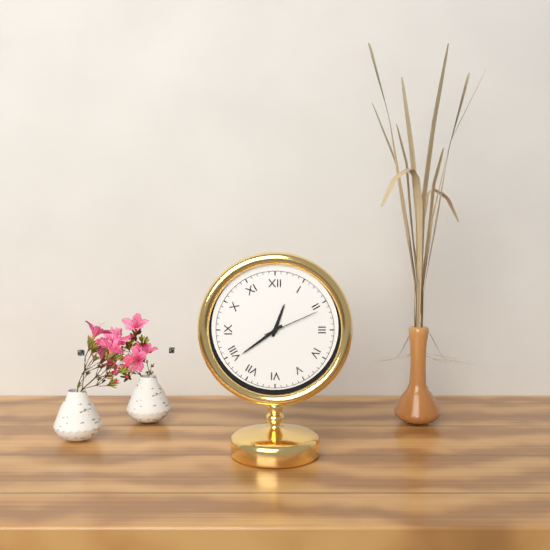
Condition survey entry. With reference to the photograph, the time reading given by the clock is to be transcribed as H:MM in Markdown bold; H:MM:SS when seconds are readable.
**12:39:11**
